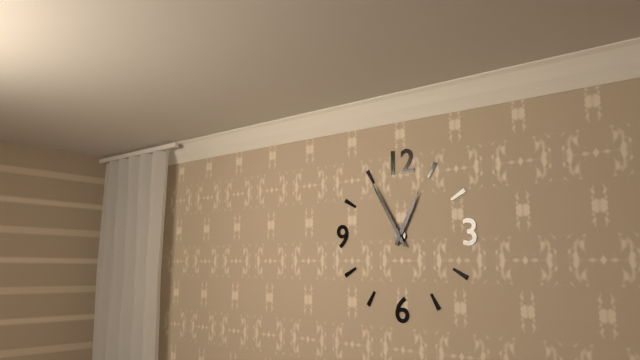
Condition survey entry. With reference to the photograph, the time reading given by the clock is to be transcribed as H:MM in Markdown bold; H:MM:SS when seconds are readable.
**12:55**
